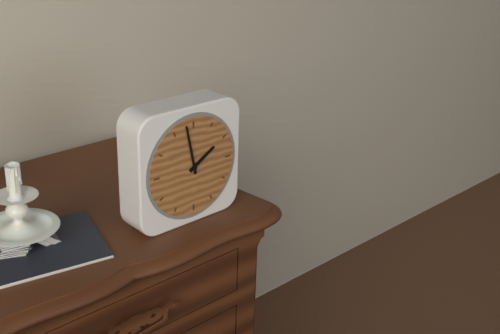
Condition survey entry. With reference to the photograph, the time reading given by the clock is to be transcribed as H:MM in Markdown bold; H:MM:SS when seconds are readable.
**1:58**
